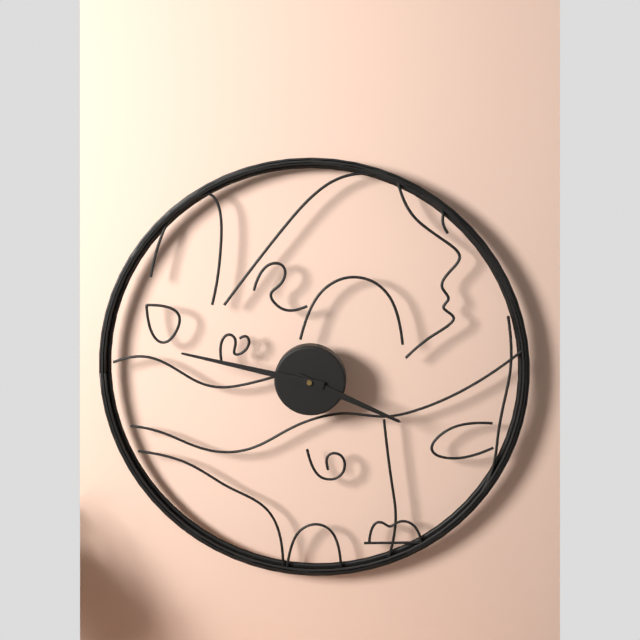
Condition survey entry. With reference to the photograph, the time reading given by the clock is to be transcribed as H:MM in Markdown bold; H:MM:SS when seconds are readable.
**3:47**
